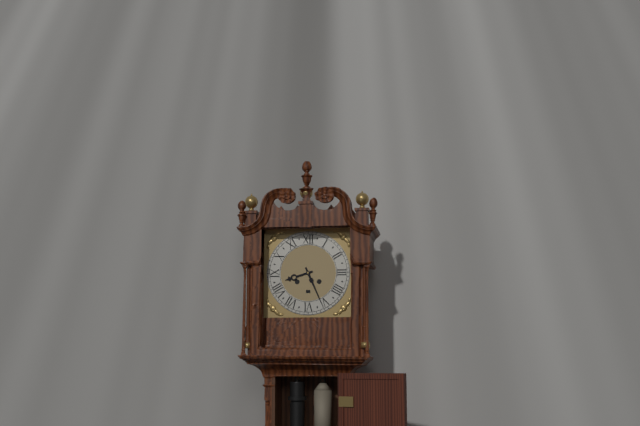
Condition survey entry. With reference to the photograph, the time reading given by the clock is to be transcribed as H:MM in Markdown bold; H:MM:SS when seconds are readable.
**8:26**
